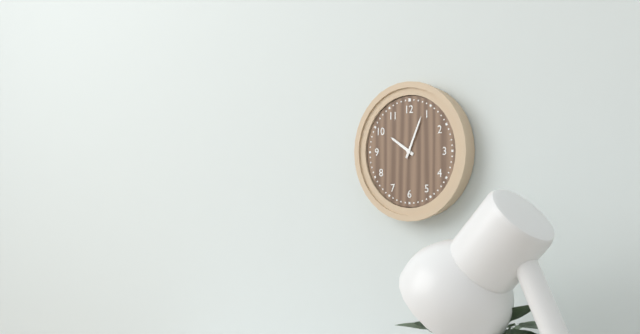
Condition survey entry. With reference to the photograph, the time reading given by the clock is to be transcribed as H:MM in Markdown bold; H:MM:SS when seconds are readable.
**10:04**
